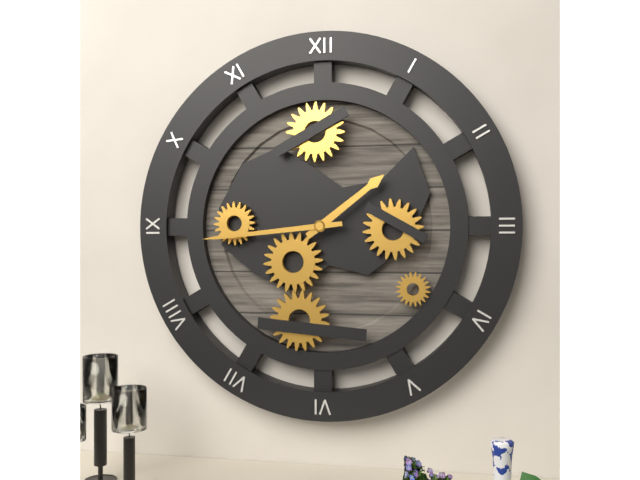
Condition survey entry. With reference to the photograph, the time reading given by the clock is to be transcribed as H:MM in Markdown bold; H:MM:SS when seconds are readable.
**1:44**
